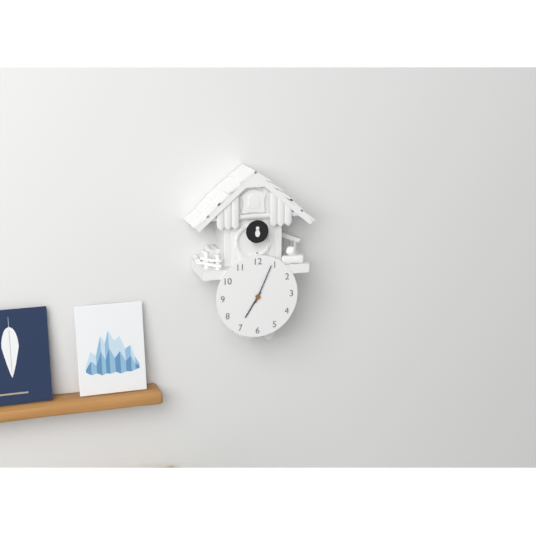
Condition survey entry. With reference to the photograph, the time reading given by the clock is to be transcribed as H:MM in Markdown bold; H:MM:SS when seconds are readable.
**7:04**
